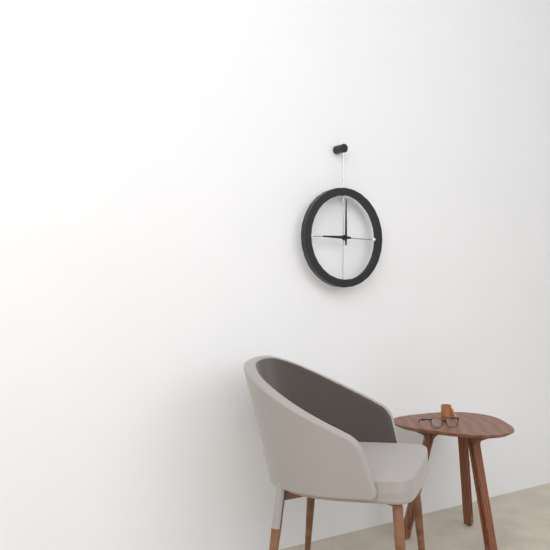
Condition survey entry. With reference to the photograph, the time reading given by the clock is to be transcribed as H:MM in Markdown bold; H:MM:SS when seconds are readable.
**9:00**
